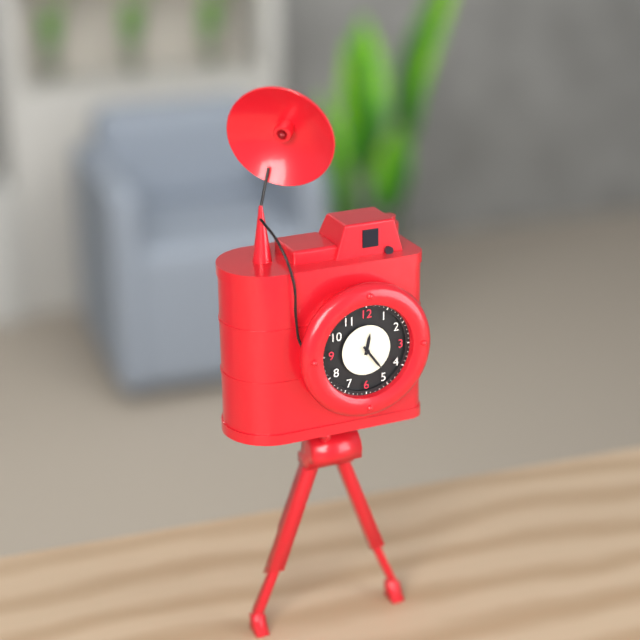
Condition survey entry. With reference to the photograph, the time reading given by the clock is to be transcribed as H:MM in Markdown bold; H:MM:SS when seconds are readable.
**12:24**
